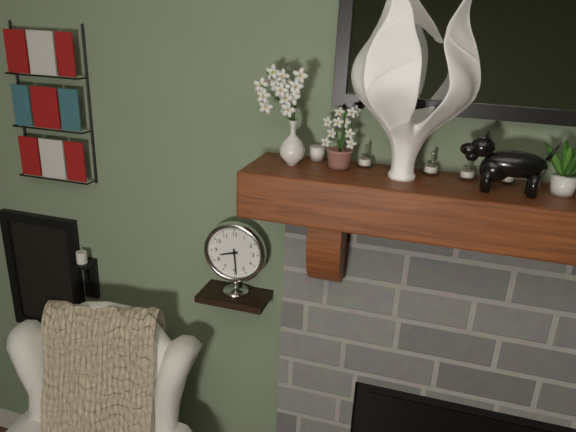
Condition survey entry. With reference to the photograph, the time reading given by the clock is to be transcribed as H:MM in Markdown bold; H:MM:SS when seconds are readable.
**8:29**
